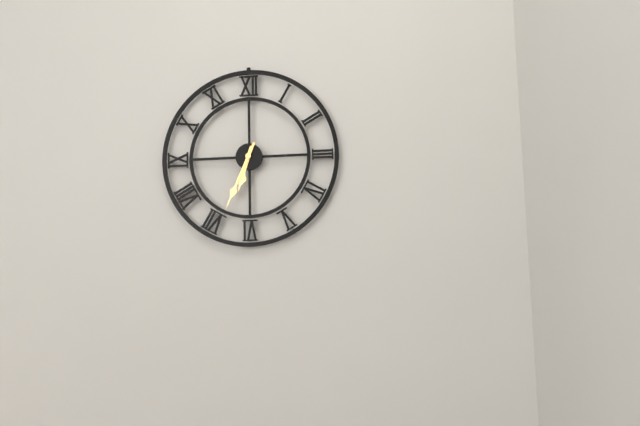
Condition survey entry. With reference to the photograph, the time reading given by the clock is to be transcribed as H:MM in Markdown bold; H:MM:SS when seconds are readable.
**6:34**
